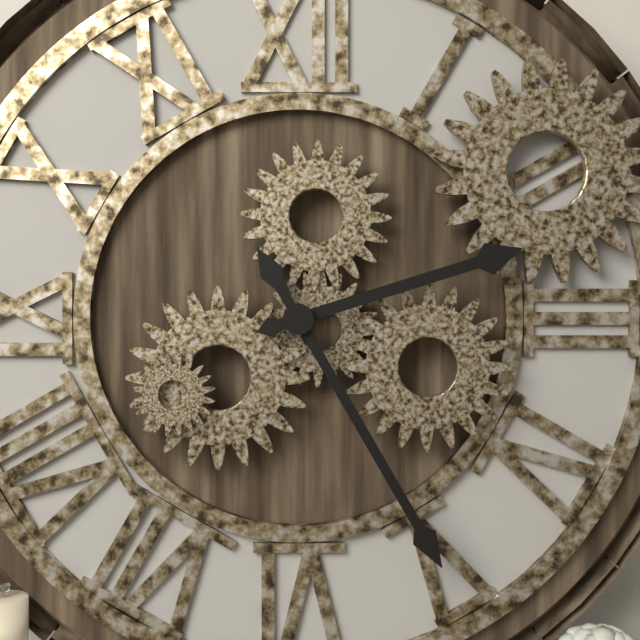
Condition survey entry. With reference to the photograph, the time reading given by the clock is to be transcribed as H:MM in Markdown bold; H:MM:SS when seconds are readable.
**2:25**
